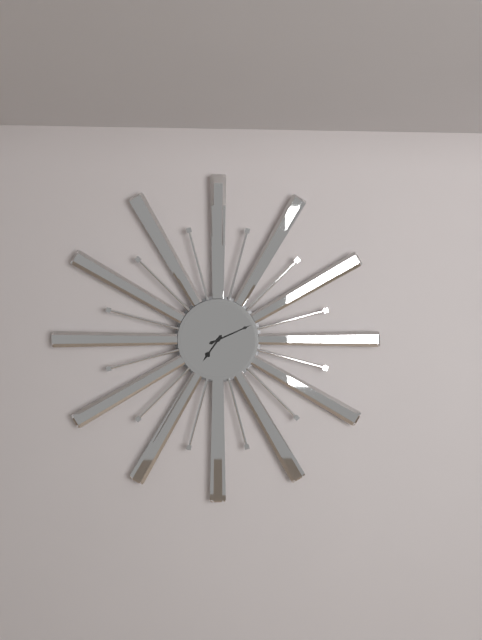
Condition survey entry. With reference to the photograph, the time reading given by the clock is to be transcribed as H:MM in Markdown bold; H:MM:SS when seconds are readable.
**7:11**
